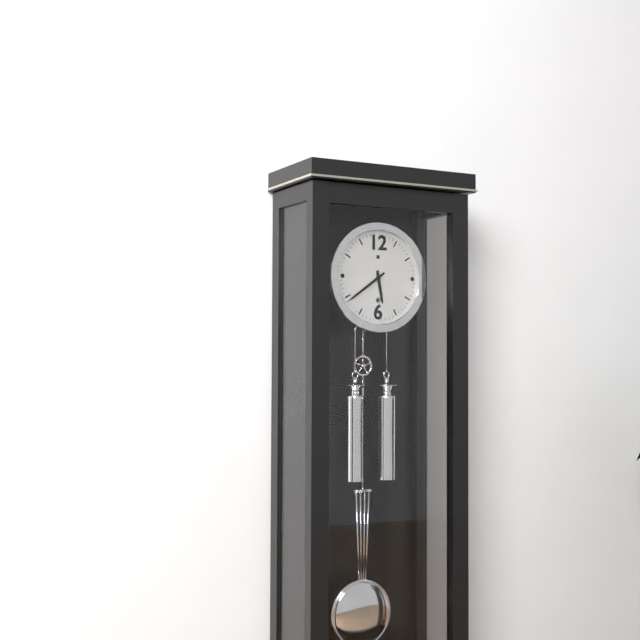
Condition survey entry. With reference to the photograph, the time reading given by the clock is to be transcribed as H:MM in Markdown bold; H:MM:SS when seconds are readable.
**5:39**
